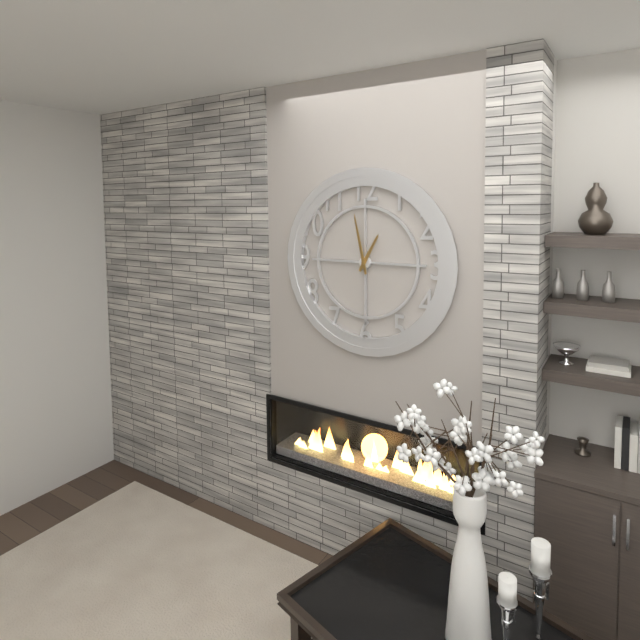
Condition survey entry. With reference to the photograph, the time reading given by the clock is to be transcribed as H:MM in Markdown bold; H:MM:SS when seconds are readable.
**12:58**
